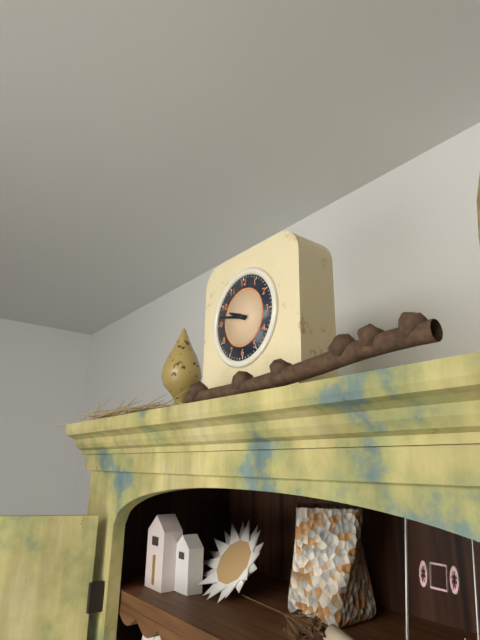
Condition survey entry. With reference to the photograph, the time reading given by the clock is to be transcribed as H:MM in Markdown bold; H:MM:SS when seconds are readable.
**9:47**
